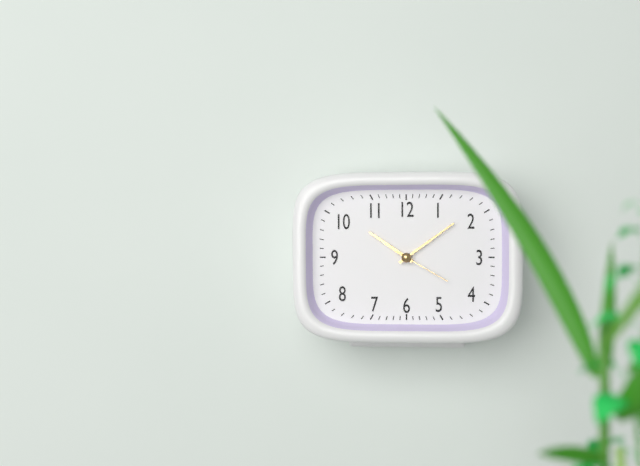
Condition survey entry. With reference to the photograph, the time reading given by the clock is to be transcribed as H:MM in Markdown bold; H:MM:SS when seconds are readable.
**10:09:20**
